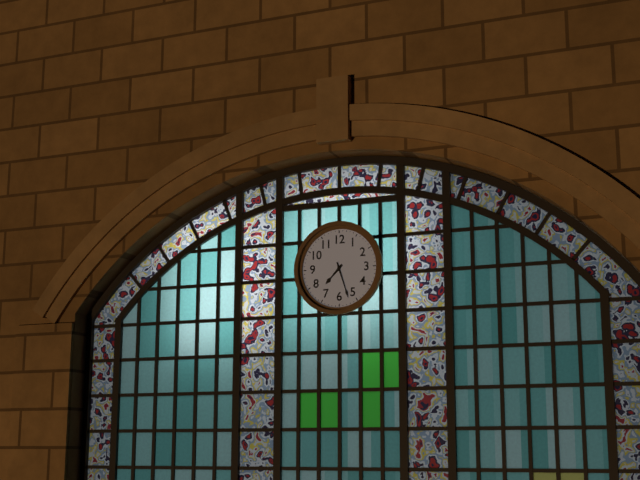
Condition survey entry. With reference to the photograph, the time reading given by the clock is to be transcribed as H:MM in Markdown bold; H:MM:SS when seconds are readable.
**7:27**
